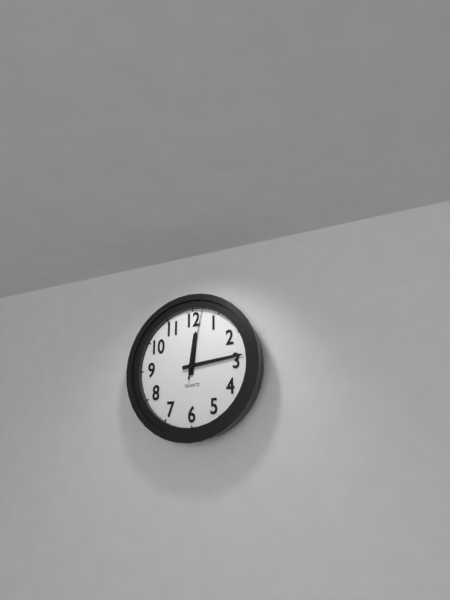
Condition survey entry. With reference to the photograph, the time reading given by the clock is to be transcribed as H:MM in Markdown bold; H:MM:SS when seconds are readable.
**12:14:02**
